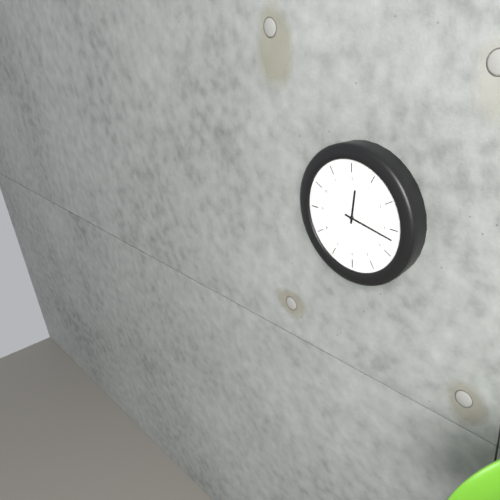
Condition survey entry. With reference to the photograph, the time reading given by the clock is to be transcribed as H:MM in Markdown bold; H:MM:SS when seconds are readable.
**12:17**
